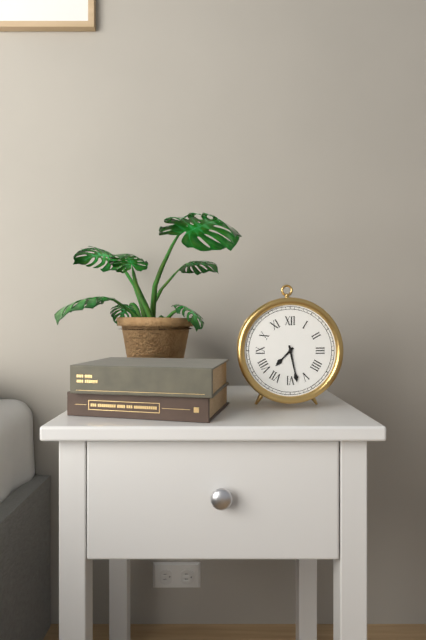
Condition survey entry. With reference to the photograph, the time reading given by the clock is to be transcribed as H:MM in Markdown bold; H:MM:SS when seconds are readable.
**7:28**
